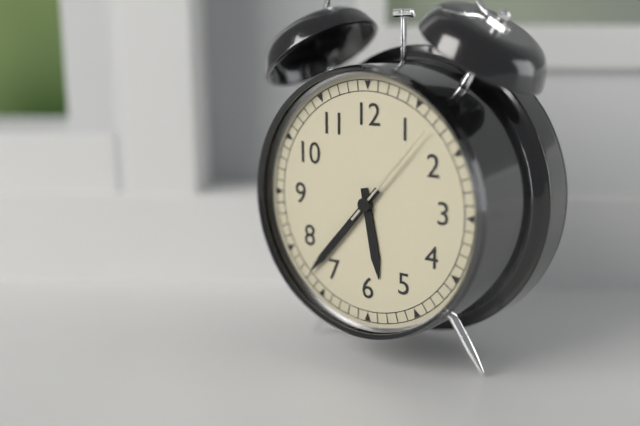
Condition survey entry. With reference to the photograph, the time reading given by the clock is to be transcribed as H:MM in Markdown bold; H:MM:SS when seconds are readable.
**5:37:07**
